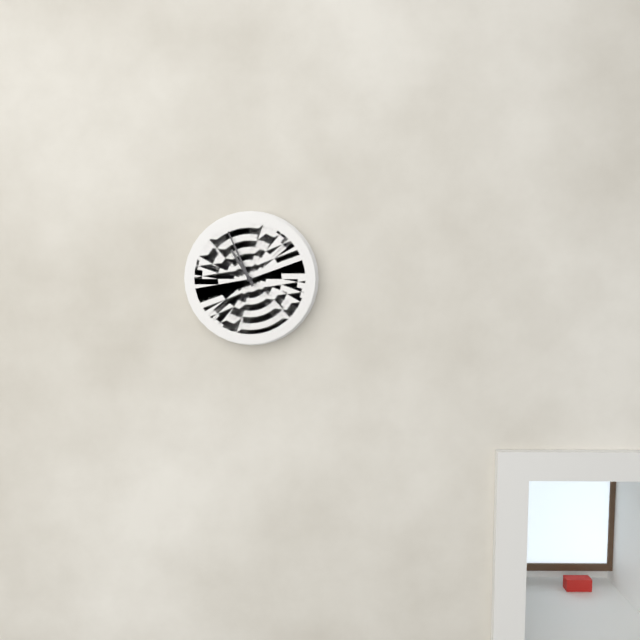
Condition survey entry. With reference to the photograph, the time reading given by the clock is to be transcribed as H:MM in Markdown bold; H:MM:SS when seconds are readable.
**10:56**
